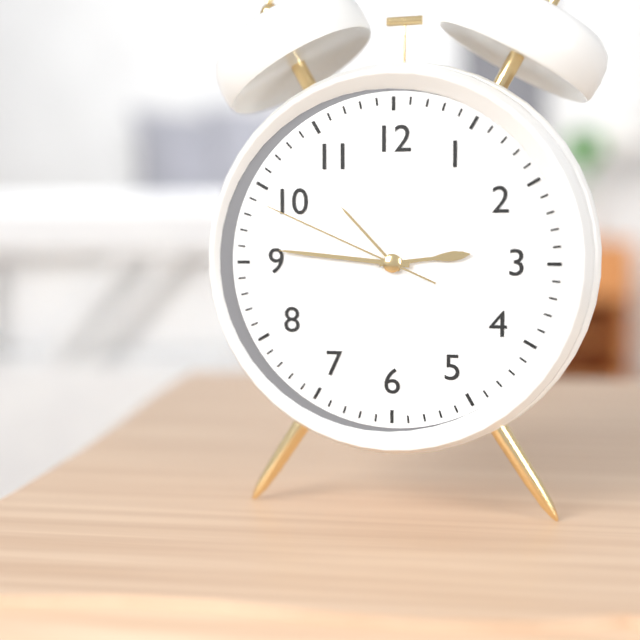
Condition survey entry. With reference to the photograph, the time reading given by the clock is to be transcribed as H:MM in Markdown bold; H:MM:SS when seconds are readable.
**2:46:49**
